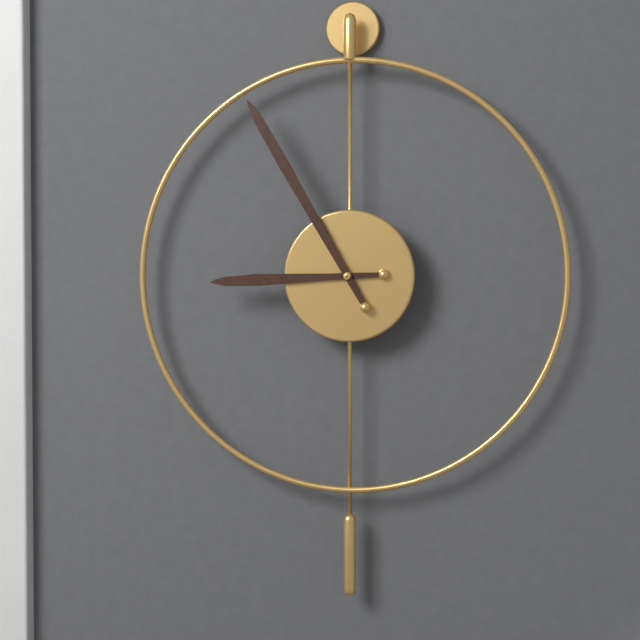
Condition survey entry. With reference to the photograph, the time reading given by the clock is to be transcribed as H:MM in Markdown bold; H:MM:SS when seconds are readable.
**8:55**
